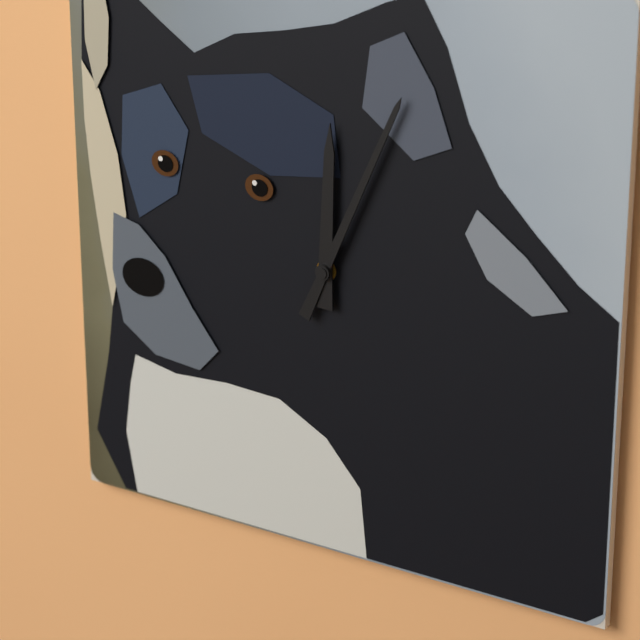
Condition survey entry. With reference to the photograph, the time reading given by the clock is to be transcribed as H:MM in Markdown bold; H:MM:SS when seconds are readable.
**12:04**
